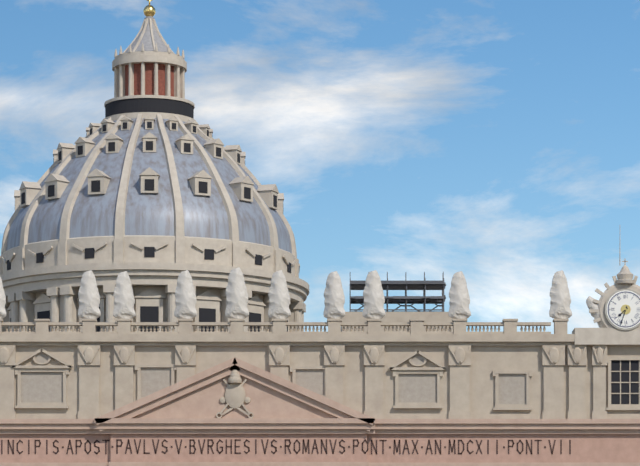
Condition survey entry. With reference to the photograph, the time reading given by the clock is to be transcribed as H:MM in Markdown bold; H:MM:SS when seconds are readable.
**7:33**
